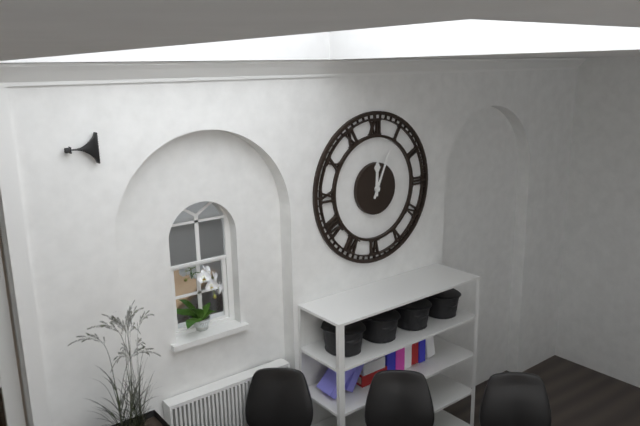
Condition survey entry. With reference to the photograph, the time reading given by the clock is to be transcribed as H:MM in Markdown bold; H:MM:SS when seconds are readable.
**12:04**
